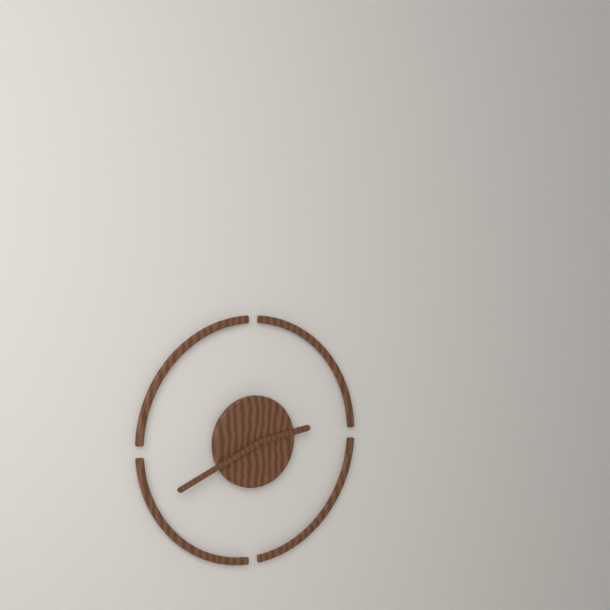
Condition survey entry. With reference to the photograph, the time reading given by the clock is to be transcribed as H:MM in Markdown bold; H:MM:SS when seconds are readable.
**2:41**
